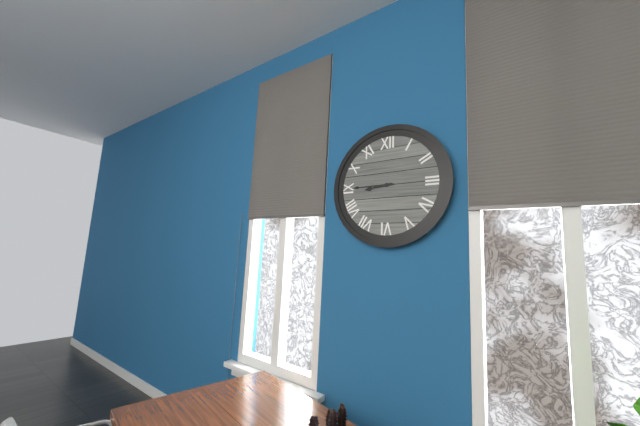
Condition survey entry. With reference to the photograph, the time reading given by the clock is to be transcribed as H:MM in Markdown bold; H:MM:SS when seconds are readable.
**8:45**
